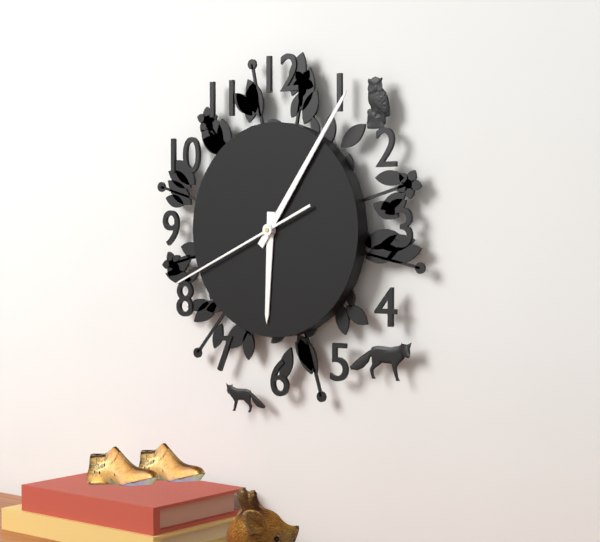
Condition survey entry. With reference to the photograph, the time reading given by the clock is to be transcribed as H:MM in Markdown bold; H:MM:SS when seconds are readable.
**6:06:41**
